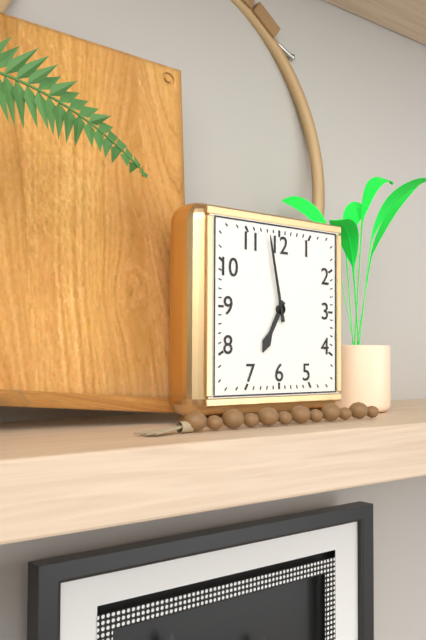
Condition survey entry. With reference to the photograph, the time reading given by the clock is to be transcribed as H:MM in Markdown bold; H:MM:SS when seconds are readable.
**6:58**
